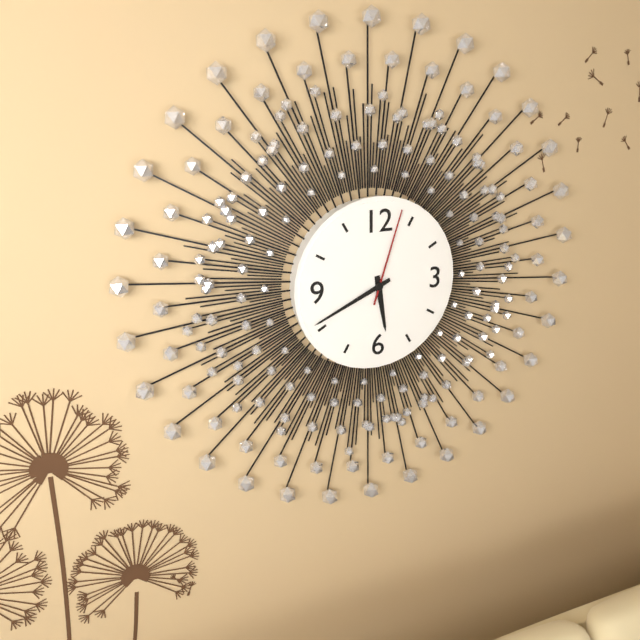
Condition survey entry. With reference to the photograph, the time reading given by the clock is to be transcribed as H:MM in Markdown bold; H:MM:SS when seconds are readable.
**5:41:03**
